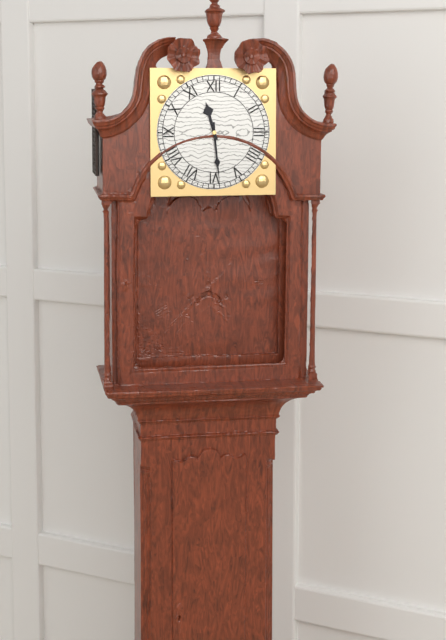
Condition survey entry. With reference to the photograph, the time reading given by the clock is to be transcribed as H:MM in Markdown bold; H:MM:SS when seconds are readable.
**11:29**
